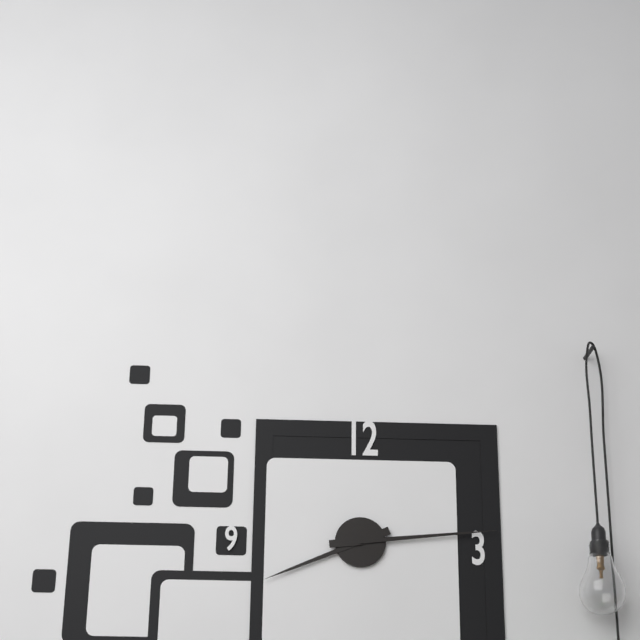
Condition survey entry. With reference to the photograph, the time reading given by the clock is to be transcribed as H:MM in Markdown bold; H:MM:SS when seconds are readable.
**8:14**
